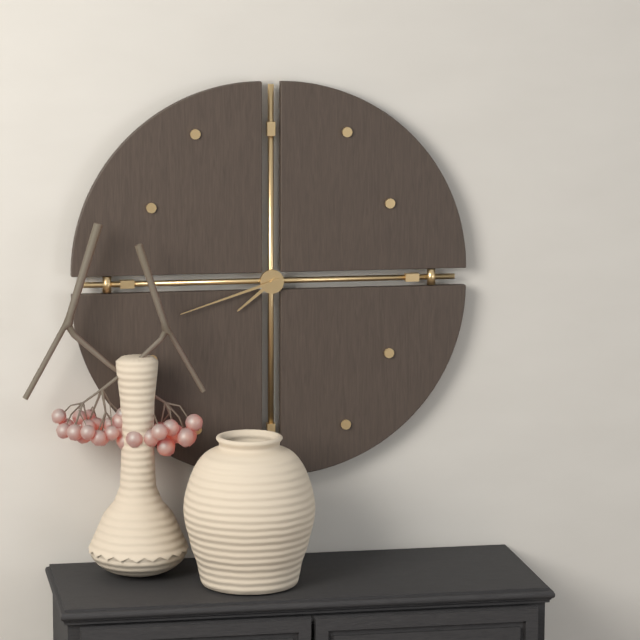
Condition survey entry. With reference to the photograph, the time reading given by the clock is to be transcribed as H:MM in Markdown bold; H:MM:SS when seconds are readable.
**7:42**
